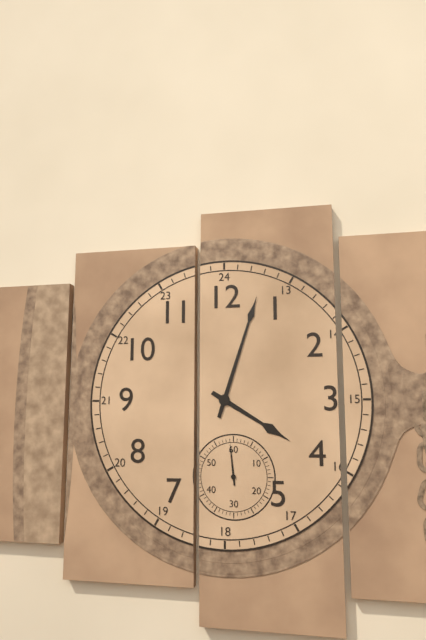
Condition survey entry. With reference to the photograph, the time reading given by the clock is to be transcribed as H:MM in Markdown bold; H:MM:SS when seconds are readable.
**4:03**
